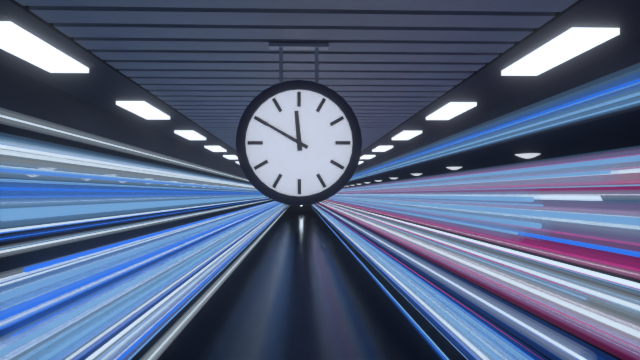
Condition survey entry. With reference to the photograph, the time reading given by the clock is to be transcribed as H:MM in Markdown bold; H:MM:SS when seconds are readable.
**11:50**
